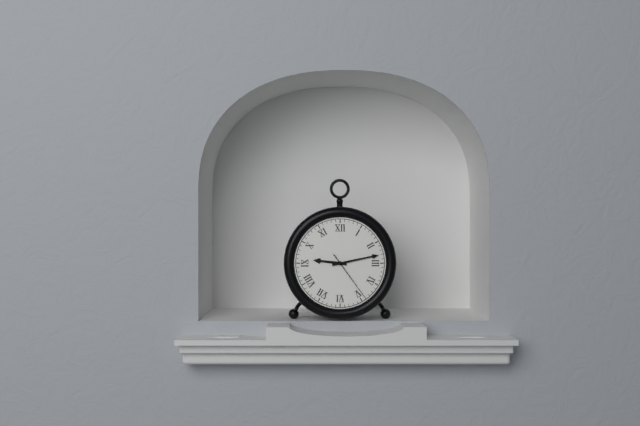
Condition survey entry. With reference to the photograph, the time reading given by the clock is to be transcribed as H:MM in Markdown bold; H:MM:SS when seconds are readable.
**9:13:24**
